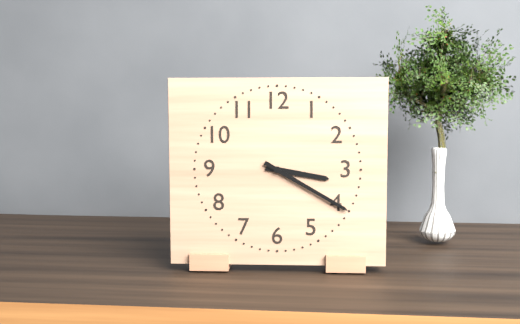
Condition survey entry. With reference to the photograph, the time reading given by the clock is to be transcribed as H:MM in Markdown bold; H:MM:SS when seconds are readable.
**3:20**
